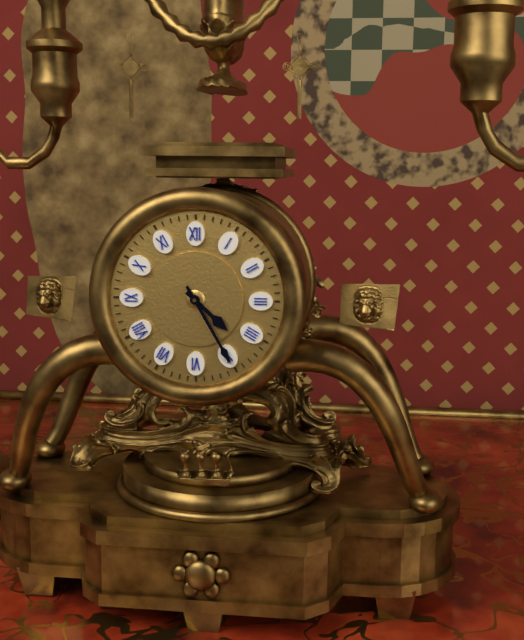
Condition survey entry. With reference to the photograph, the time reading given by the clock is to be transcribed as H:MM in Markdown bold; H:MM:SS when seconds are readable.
**4:25**
